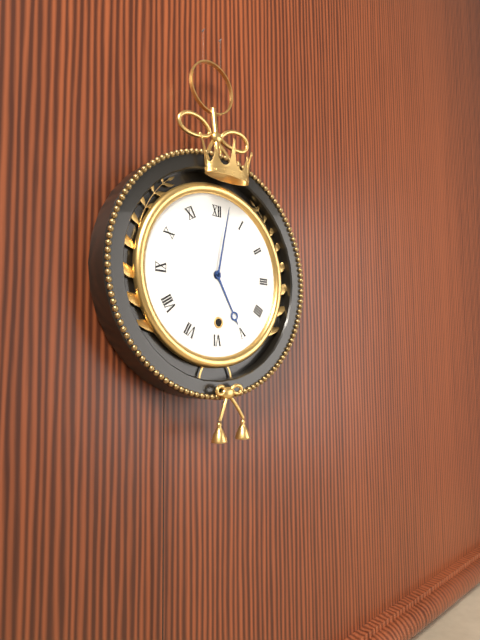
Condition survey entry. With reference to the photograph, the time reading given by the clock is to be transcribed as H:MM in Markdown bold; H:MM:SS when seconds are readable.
**5:02**
